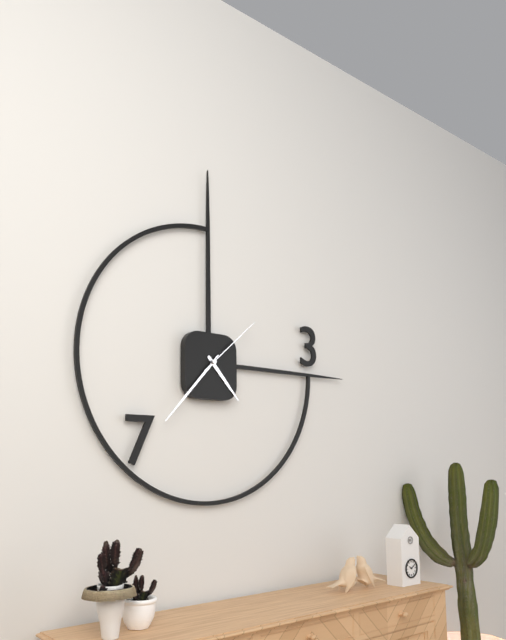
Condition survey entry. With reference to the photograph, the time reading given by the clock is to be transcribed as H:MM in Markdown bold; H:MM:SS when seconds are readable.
**4:37:08**
